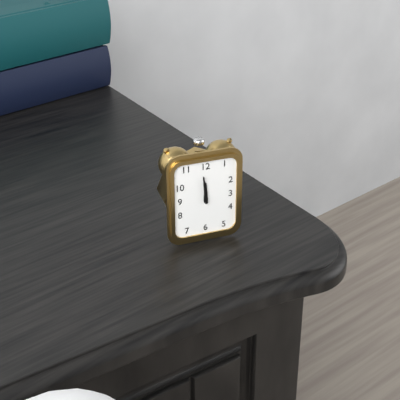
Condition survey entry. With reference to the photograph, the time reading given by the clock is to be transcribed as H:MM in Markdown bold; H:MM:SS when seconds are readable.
**11:59**
